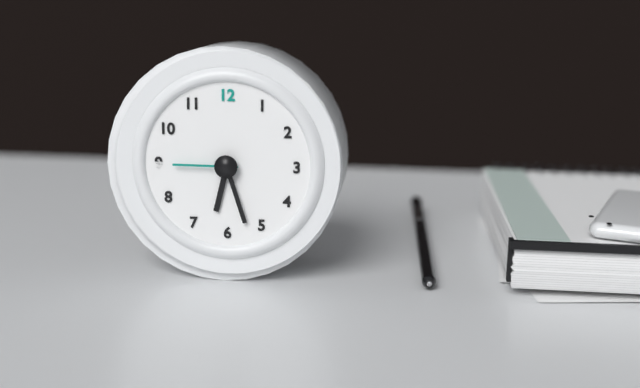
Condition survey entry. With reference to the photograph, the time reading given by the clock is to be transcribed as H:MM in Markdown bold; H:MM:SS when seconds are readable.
**6:27:45**
